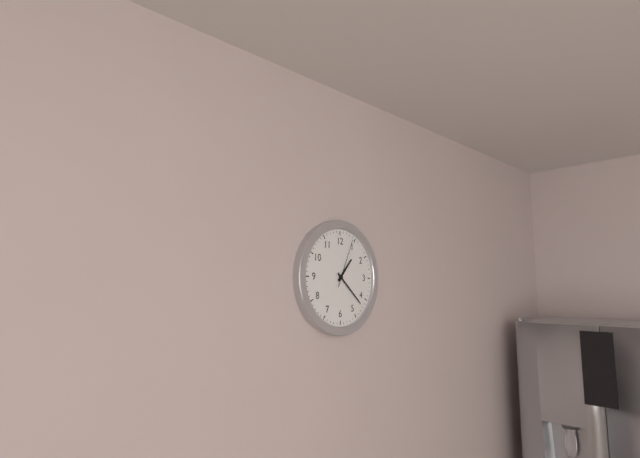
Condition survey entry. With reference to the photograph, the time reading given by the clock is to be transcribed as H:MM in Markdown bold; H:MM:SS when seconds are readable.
**1:22**
